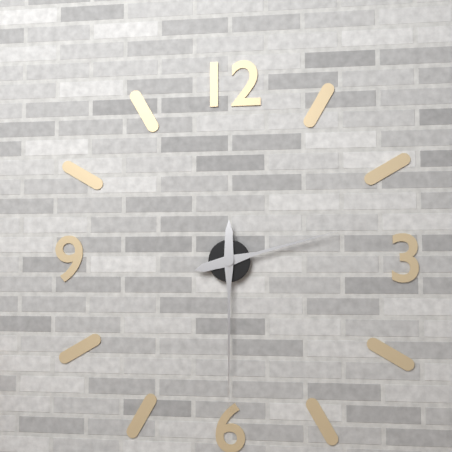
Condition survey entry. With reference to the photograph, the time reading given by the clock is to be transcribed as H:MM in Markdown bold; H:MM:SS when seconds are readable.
**2:30**
